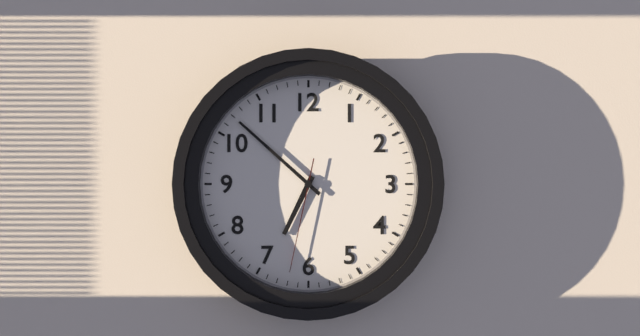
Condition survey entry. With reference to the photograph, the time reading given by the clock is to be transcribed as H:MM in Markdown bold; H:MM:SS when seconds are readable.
**6:52:32**
